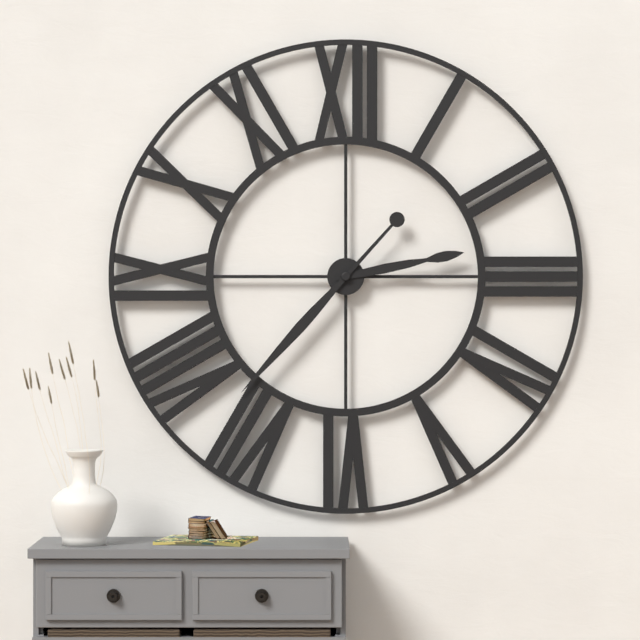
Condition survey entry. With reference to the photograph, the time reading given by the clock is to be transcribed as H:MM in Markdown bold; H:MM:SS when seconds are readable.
**2:37**
